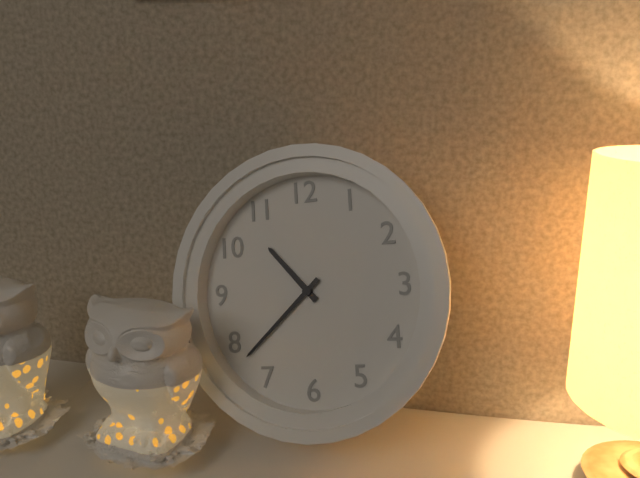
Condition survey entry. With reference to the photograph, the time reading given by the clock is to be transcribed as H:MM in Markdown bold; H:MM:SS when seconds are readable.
**10:38**
